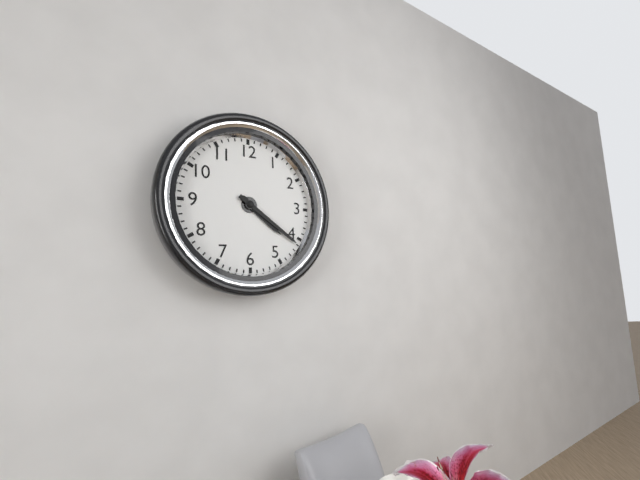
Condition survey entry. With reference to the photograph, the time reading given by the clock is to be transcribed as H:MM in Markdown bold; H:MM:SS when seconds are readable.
**4:21**
